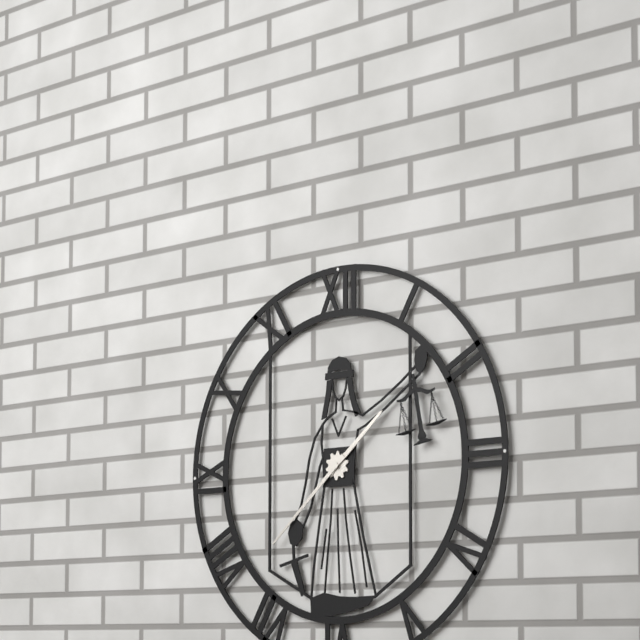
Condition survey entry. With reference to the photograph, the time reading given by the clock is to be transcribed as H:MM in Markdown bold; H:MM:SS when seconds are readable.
**1:38**
